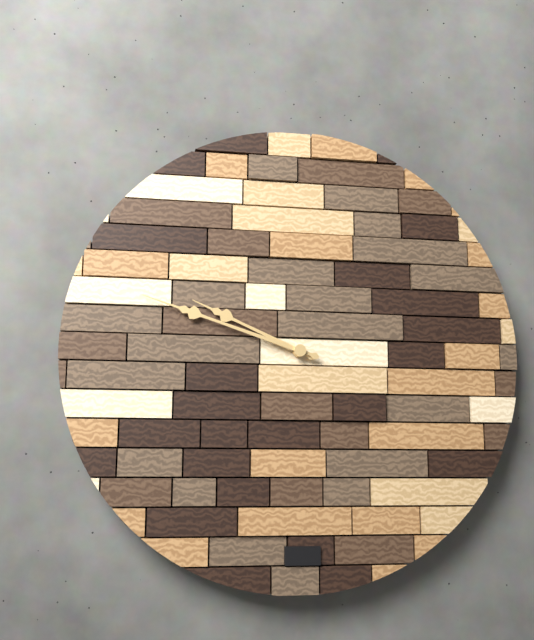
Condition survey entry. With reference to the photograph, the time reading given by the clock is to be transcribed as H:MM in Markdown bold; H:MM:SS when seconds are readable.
**9:48**
